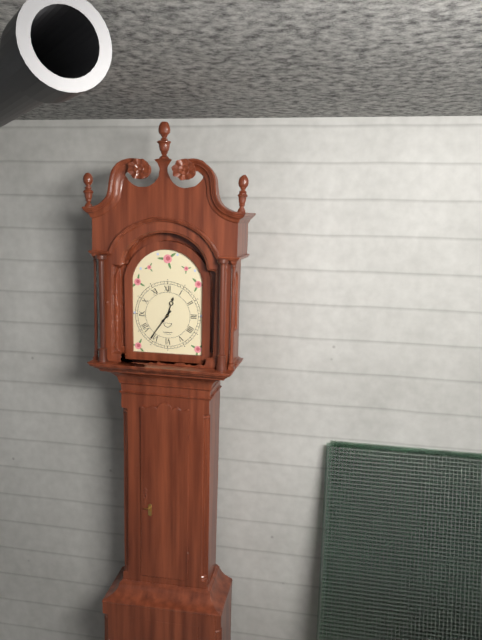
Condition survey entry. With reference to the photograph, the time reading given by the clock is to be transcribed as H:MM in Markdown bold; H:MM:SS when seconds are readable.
**12:36**
